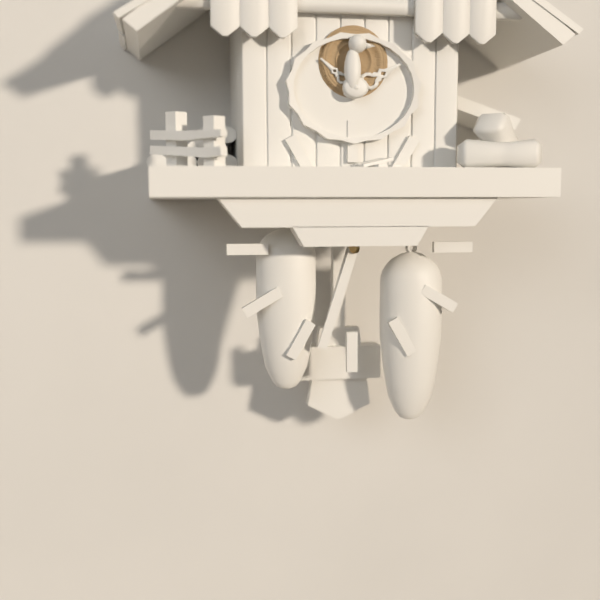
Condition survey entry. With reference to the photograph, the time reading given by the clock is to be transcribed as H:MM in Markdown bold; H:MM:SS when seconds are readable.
**6:33**
